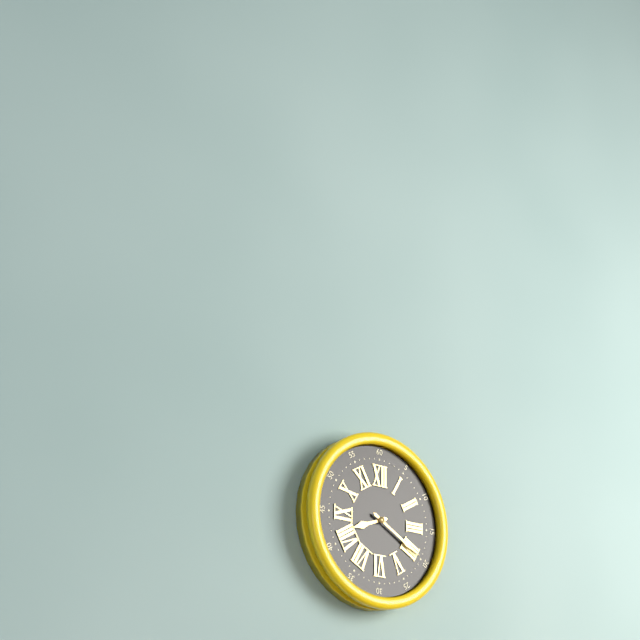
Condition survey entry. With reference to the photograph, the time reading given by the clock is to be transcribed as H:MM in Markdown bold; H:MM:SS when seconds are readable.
**8:20**
